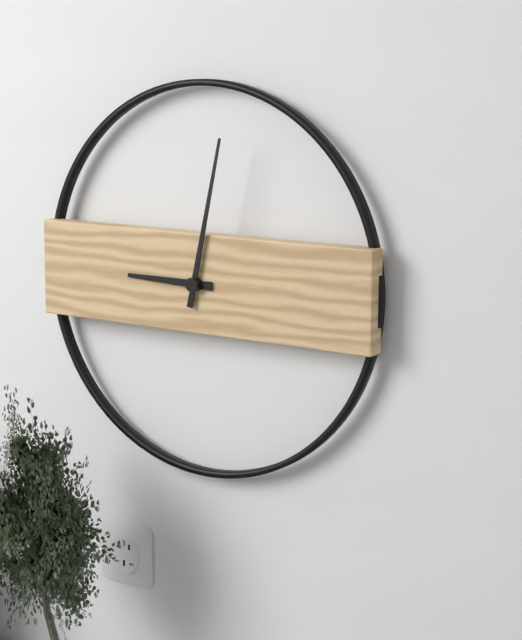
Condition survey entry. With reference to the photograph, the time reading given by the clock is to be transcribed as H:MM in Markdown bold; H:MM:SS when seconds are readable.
**9:02**
